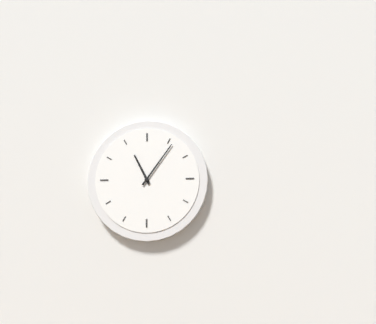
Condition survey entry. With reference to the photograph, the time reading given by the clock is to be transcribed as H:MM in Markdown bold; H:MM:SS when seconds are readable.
**11:06**
